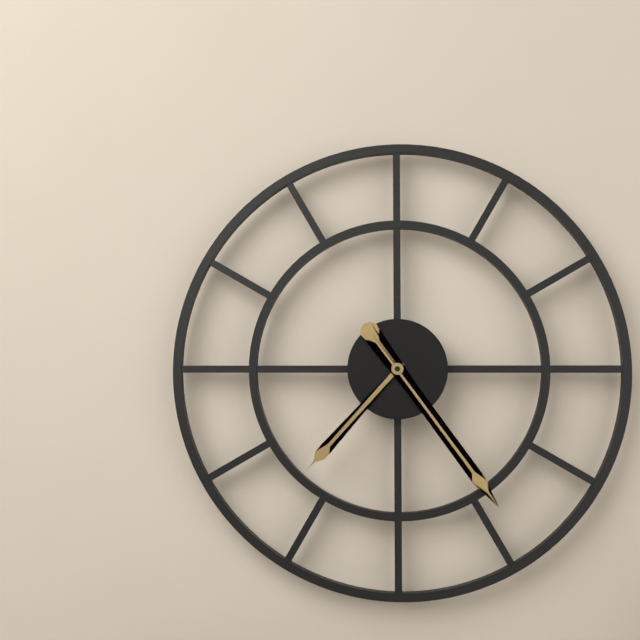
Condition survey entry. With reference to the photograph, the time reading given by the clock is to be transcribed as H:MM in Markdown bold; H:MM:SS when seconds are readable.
**7:24**
